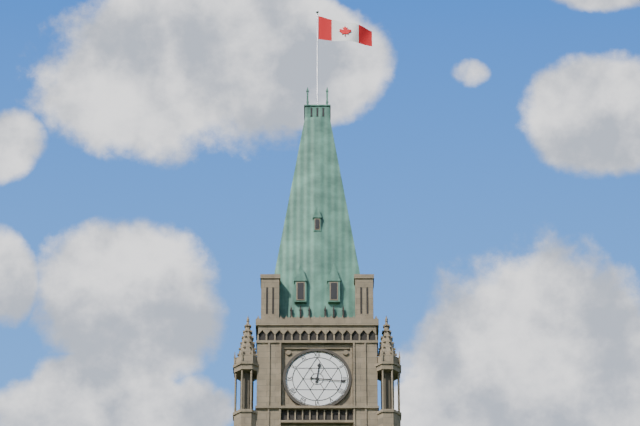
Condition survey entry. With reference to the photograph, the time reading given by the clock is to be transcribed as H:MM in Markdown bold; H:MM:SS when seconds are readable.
**12:16**
